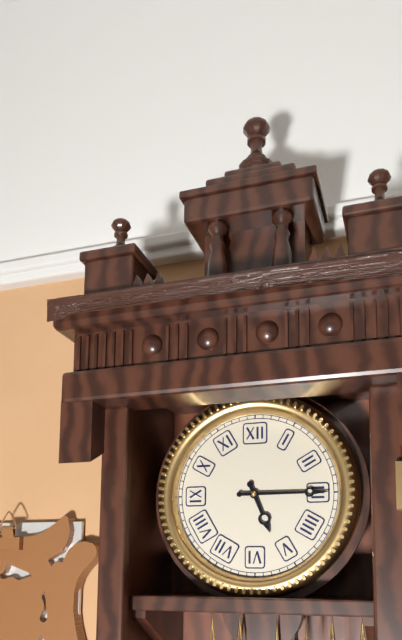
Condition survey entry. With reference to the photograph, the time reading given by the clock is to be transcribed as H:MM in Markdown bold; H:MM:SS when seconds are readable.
**5:15**
